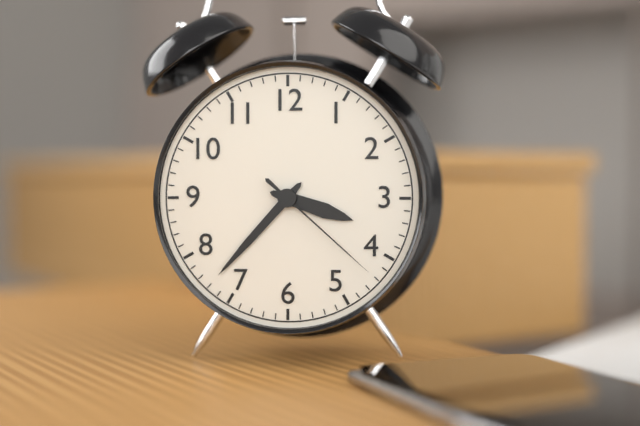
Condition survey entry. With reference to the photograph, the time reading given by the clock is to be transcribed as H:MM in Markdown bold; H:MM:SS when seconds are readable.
**3:37:22**
